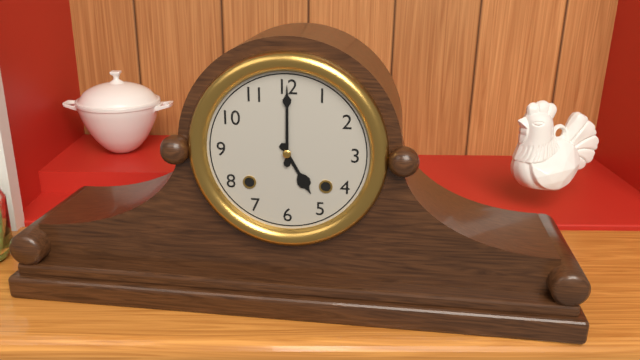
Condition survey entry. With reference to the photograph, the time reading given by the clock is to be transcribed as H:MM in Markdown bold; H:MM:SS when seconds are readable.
**5:00**
